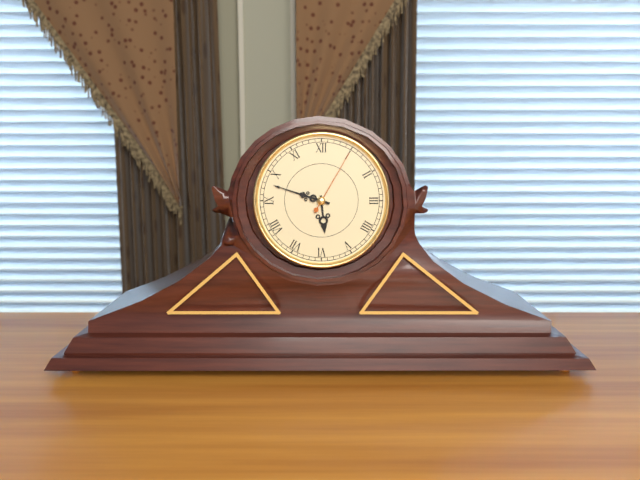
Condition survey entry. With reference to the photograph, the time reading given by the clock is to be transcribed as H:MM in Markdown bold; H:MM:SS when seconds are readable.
**5:48:05**
